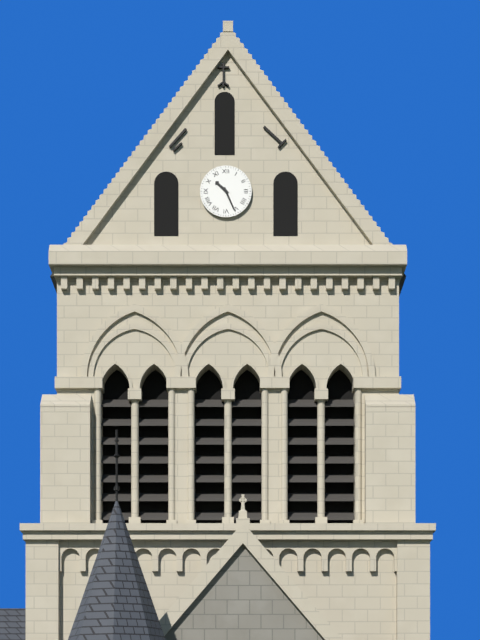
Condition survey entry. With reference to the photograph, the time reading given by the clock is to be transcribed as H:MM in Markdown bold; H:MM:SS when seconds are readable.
**10:26**
